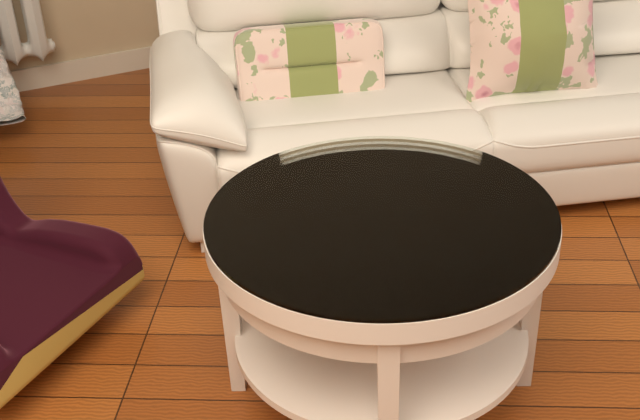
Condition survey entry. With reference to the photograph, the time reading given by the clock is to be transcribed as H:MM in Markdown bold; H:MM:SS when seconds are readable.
**3:47**
